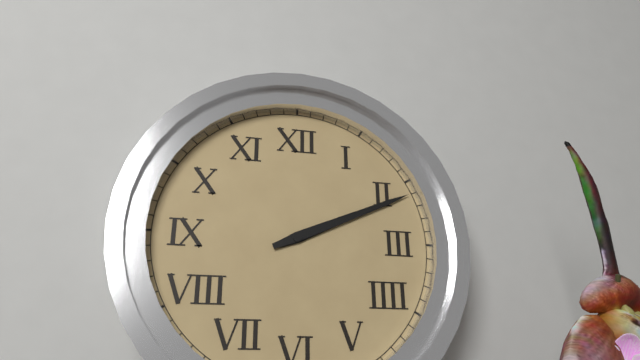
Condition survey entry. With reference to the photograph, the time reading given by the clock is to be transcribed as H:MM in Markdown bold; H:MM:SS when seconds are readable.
**2:11**
